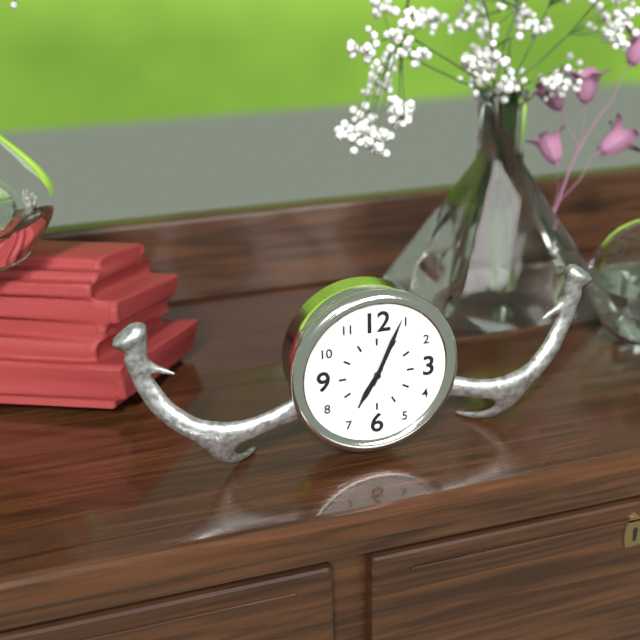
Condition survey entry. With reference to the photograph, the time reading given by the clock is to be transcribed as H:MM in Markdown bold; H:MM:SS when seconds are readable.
**7:04**
